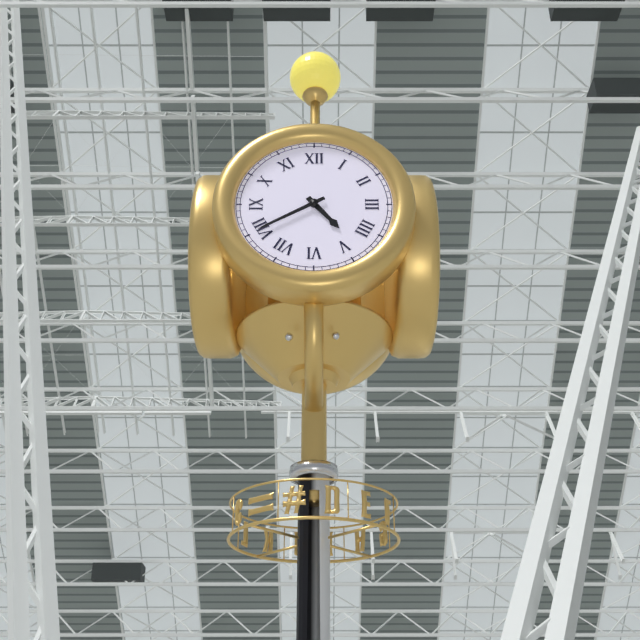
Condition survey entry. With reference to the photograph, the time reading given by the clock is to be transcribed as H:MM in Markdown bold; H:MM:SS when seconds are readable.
**4:40**
